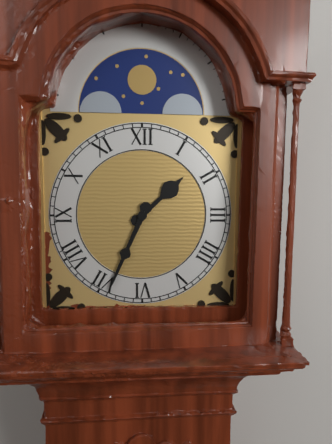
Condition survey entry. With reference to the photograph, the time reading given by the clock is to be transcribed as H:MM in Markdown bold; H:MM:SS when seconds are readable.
**1:34**
